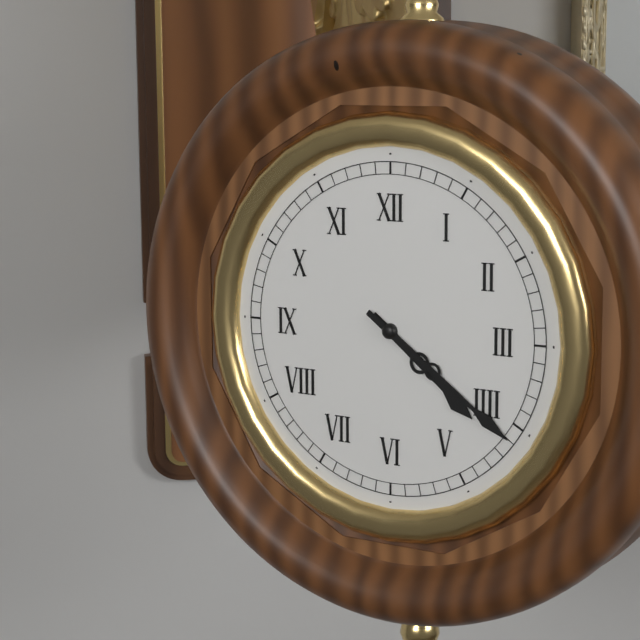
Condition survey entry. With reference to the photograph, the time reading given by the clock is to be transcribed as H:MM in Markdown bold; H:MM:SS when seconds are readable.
**4:21**
